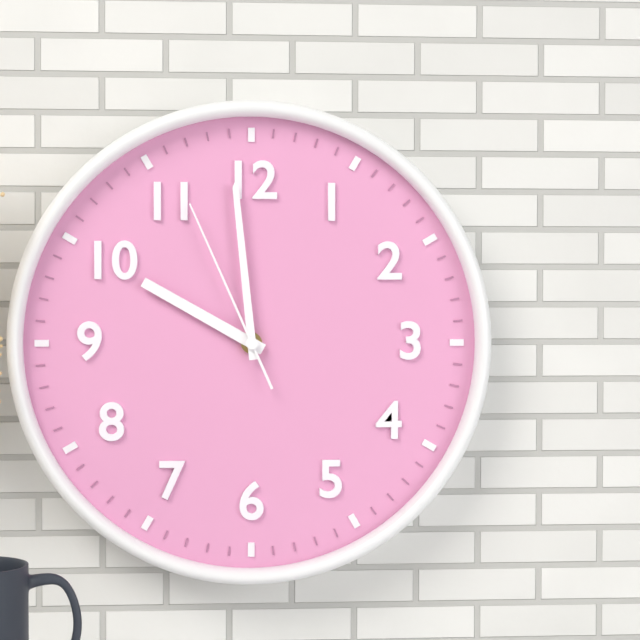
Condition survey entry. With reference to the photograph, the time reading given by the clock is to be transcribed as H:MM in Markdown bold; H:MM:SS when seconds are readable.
**9:59:56**
